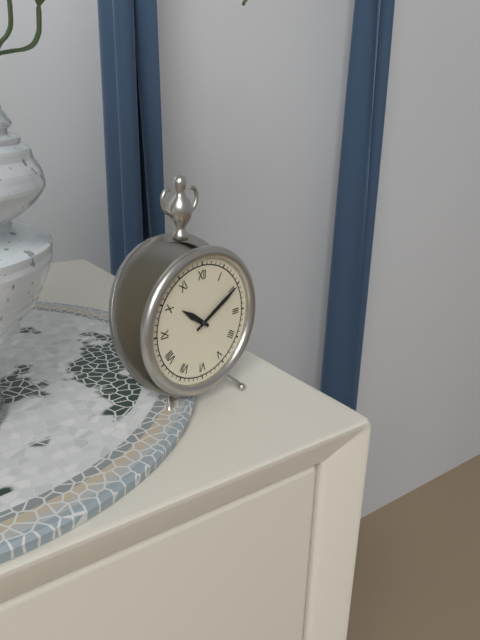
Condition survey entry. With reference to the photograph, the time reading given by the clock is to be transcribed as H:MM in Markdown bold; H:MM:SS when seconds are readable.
**10:10**
